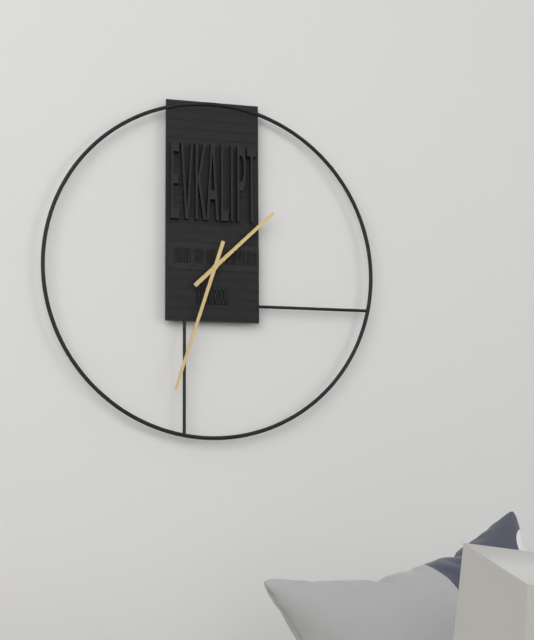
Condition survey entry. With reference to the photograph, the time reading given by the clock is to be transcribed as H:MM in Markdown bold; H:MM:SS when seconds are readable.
**1:33**
